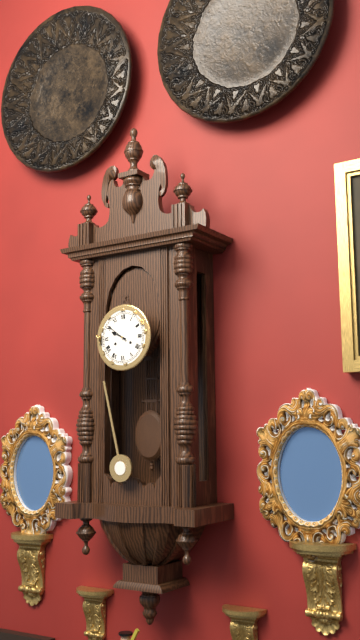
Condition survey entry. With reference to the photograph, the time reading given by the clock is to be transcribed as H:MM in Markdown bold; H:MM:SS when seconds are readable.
**9:51**
